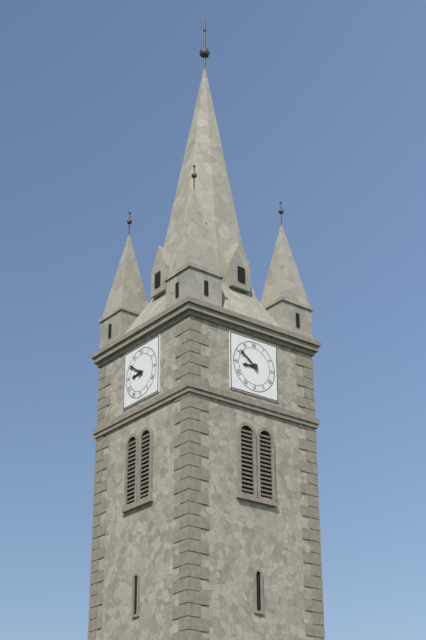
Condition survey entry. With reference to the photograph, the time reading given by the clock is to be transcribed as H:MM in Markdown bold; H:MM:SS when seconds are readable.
**8:51**
